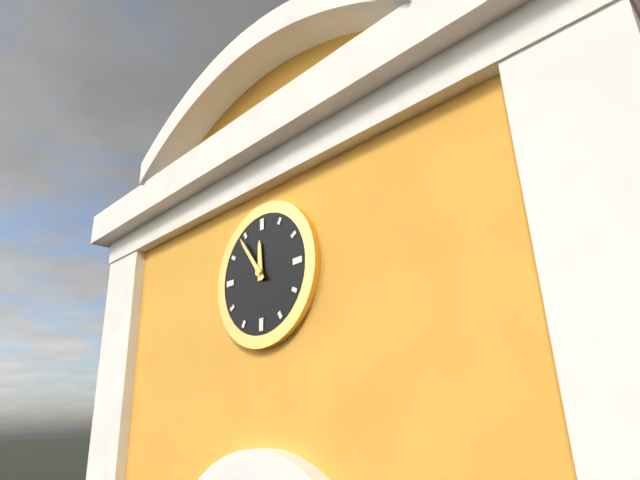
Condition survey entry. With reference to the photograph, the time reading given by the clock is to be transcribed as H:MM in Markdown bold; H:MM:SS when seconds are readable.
**11:54**
